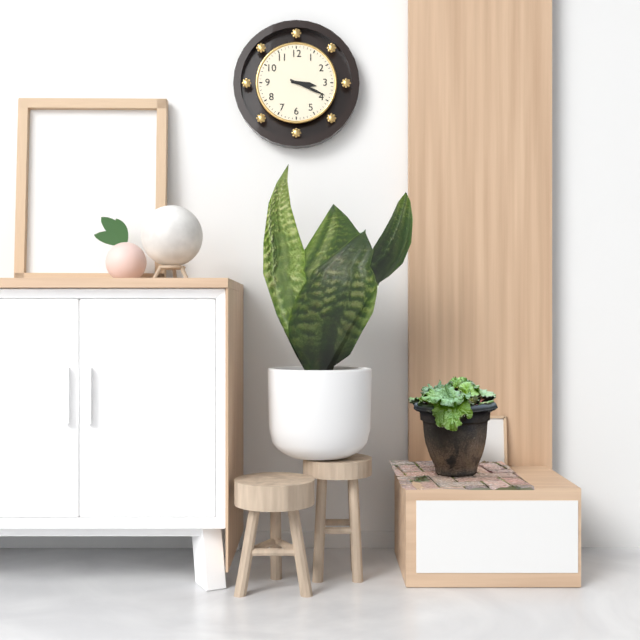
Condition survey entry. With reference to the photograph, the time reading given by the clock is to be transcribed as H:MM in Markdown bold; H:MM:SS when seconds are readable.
**3:19**
